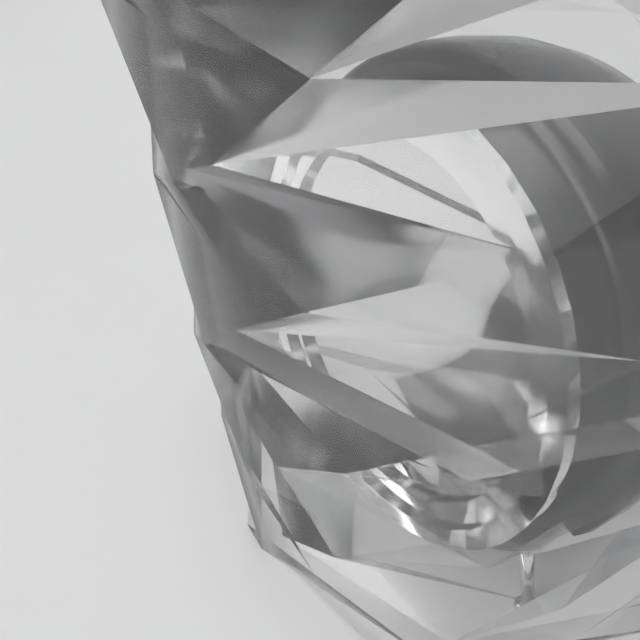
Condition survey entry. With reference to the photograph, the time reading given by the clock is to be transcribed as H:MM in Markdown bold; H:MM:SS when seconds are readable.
**11:39:19**
